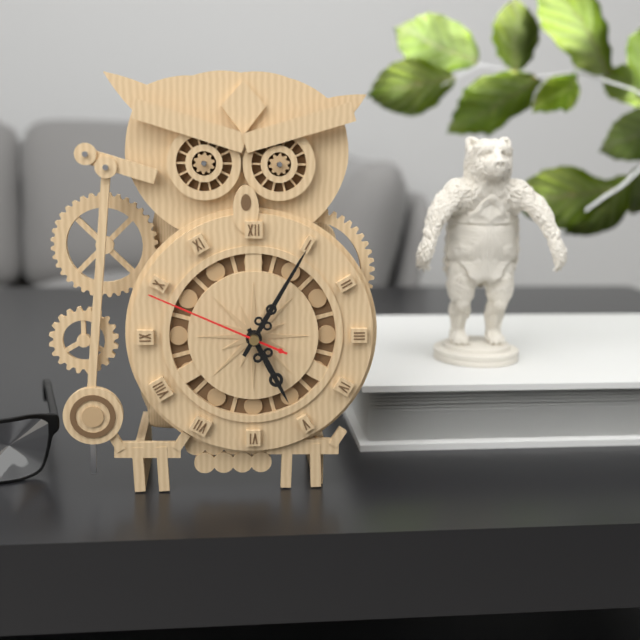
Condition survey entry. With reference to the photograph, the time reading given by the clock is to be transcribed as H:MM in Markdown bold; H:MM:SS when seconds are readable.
**5:05:49**
